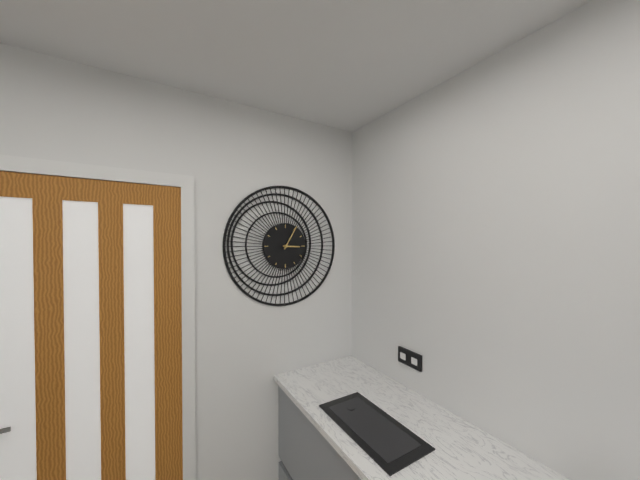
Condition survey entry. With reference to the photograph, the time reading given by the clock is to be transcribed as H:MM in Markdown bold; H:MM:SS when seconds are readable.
**3:05**
